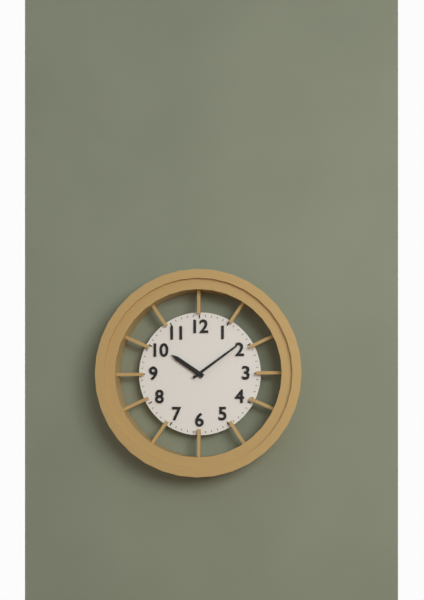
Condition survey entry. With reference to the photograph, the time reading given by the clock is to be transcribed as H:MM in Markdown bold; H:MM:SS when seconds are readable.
**10:09**
